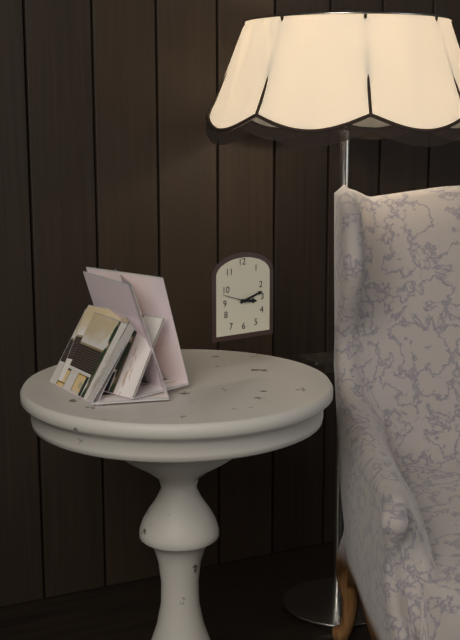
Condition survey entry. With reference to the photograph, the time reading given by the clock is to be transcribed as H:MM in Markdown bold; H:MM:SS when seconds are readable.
**3:12**
